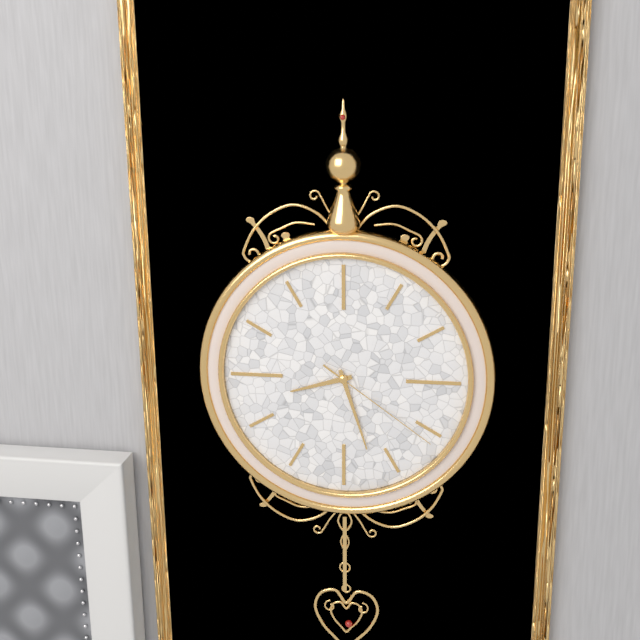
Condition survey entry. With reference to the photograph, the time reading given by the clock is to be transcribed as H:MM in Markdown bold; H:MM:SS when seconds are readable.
**8:27:21**
